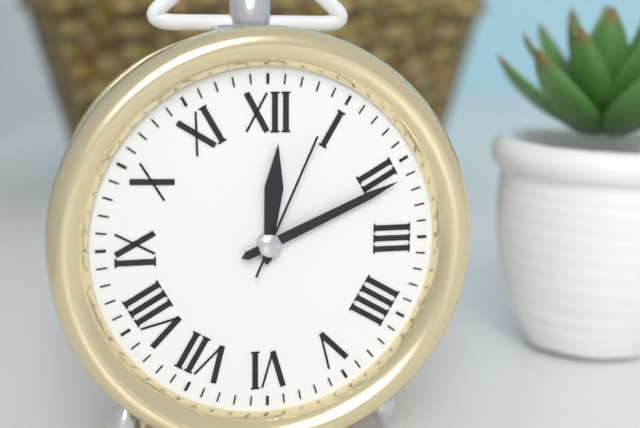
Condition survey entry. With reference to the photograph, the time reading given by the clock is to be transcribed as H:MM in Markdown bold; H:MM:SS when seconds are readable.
**12:11:04**
